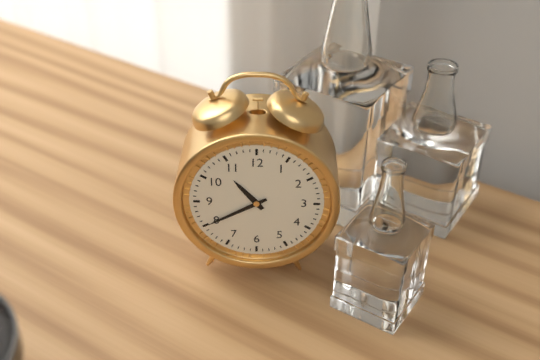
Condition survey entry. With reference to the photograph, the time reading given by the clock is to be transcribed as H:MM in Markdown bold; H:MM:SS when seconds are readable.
**10:40**
